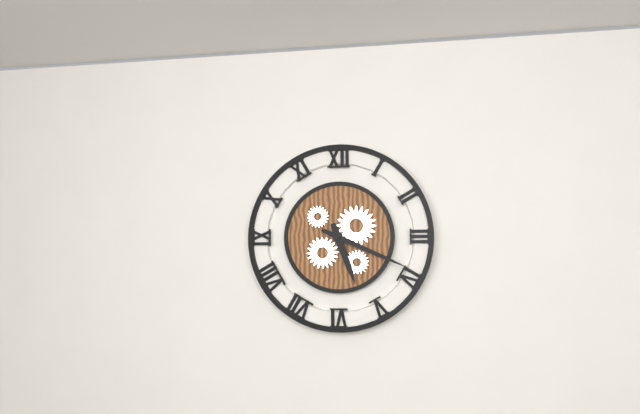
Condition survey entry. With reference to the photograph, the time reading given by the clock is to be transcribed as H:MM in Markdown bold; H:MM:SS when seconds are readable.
**5:19**
